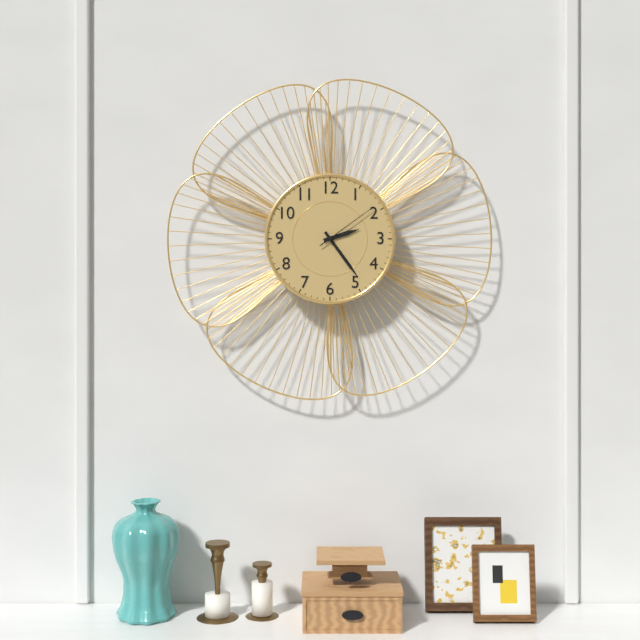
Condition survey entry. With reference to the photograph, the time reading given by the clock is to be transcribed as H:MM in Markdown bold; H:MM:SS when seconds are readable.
**2:24:09**
